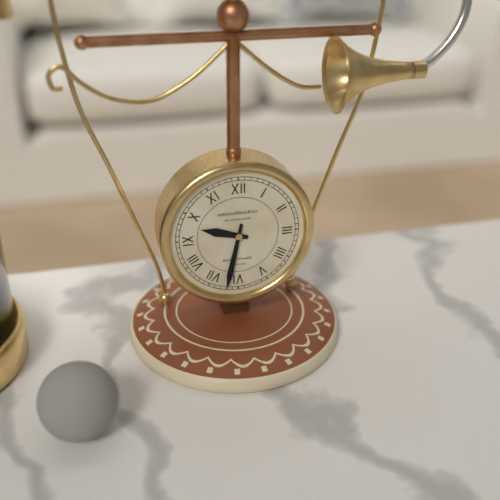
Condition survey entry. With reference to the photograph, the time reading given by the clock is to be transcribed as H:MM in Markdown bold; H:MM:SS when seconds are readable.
**9:32**
